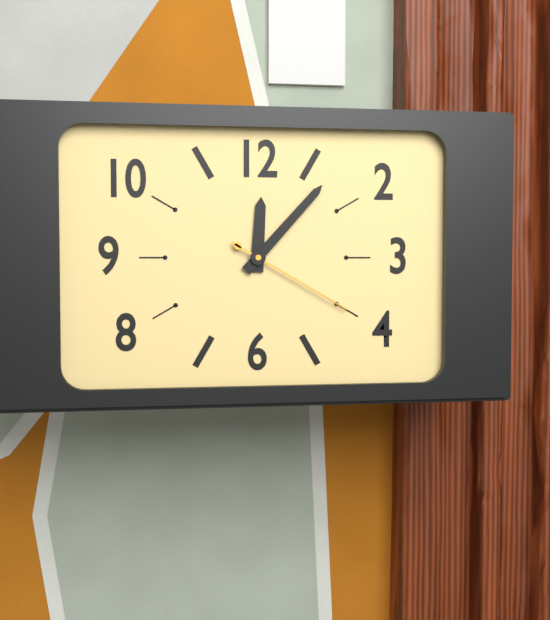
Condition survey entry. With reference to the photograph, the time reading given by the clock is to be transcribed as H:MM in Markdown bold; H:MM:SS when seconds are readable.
**12:07:20**
